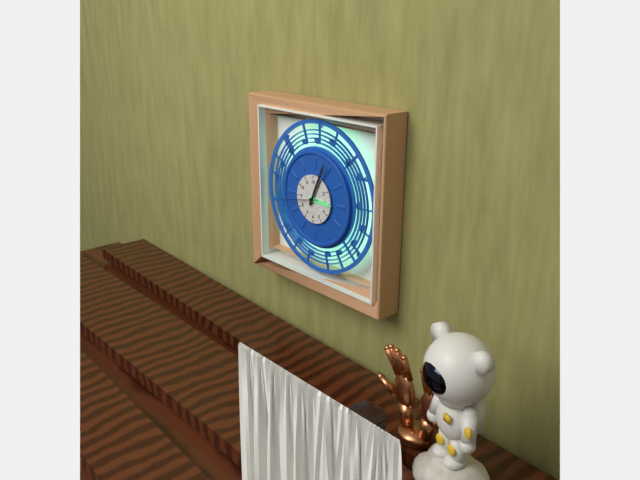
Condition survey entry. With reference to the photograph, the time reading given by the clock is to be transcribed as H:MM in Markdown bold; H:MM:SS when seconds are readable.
**3:04**
